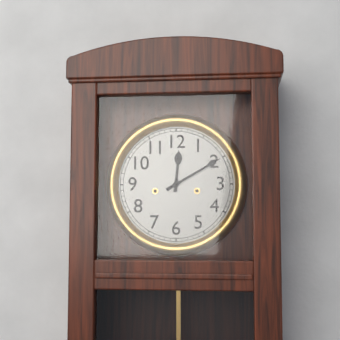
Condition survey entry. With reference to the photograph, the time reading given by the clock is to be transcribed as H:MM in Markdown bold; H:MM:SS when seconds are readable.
**12:10**
